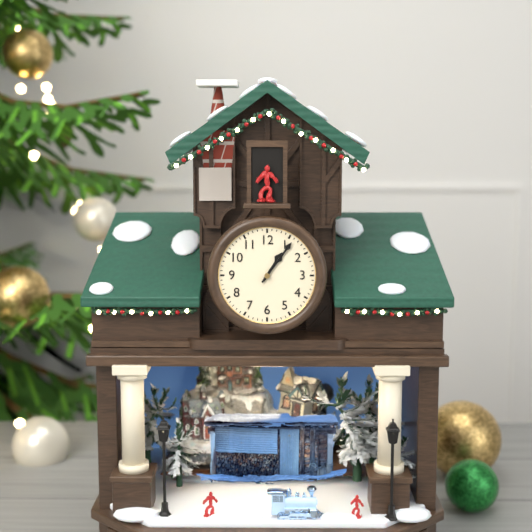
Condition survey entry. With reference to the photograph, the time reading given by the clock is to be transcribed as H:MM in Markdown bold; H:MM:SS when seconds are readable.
**1:06**
